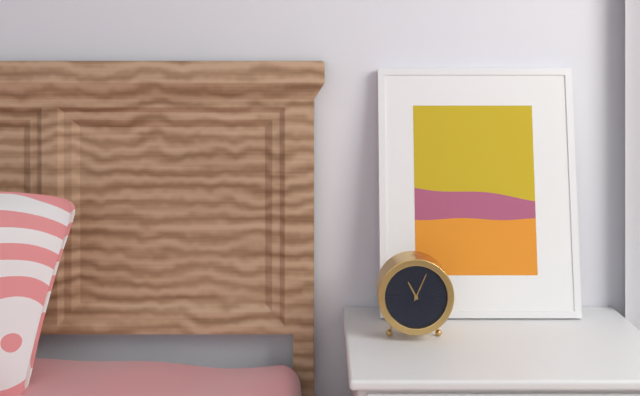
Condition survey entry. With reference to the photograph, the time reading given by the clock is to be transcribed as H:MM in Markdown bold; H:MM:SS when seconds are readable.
**11:04**
